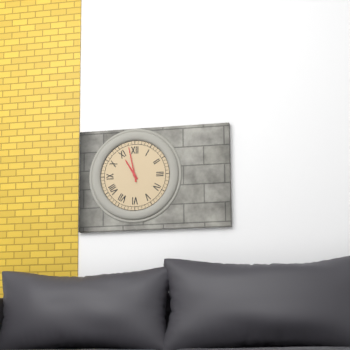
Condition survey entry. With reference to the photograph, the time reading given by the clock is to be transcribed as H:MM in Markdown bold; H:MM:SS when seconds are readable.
**10:58**
